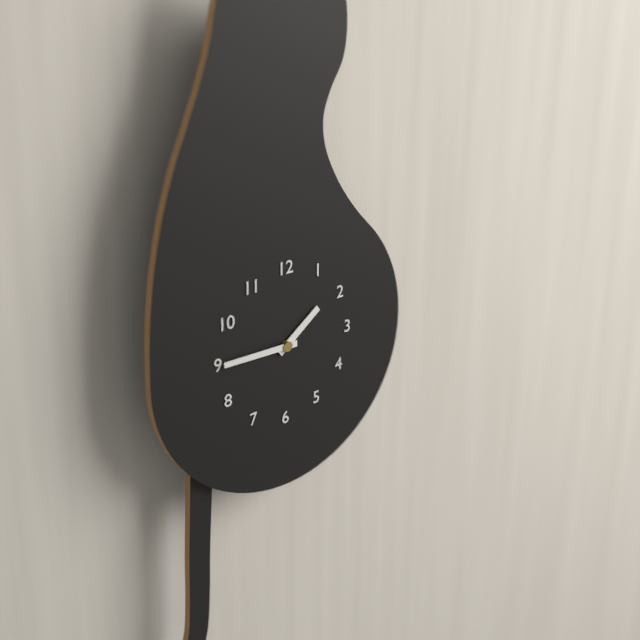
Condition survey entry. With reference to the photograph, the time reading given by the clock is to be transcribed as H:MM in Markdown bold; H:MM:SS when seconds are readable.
**1:45**
